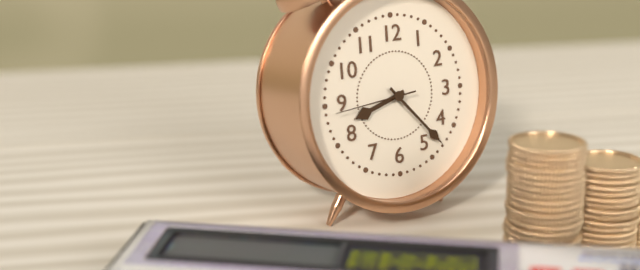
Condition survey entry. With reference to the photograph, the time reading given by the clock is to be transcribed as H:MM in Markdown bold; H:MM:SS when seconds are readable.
**8:23:44**
